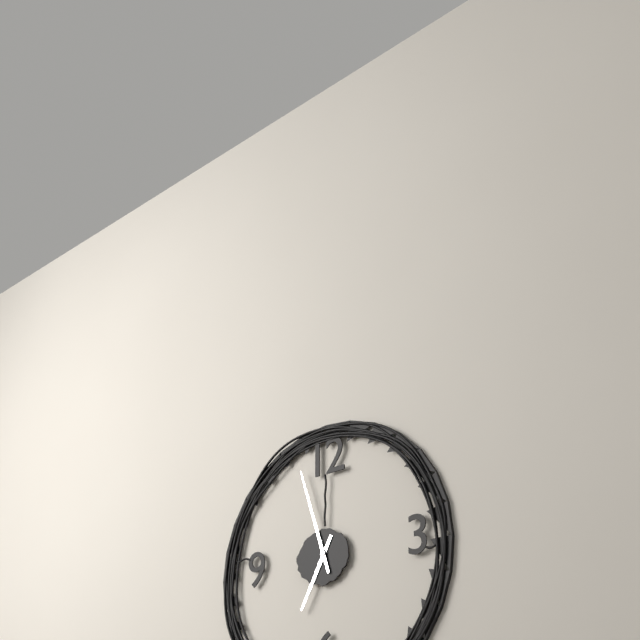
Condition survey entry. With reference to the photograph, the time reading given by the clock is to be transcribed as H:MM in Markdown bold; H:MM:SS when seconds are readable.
**6:57**
